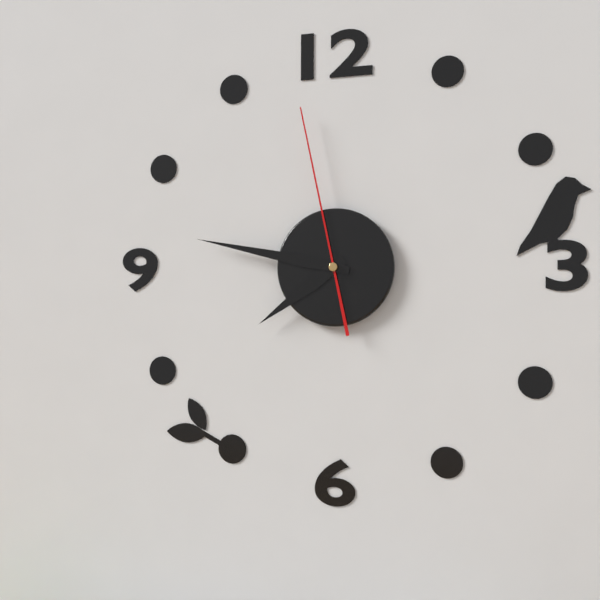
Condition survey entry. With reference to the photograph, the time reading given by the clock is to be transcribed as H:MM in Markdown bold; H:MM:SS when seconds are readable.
**7:47:58**
